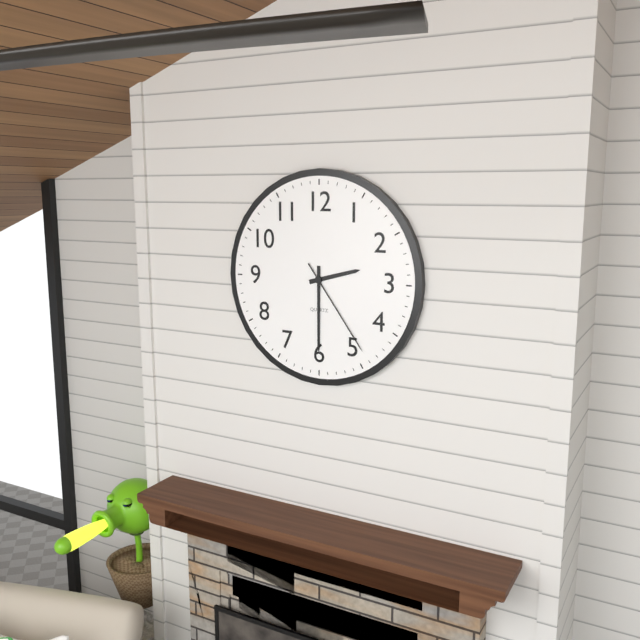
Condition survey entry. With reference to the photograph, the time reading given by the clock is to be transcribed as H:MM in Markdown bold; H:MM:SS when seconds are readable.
**2:30:24**
